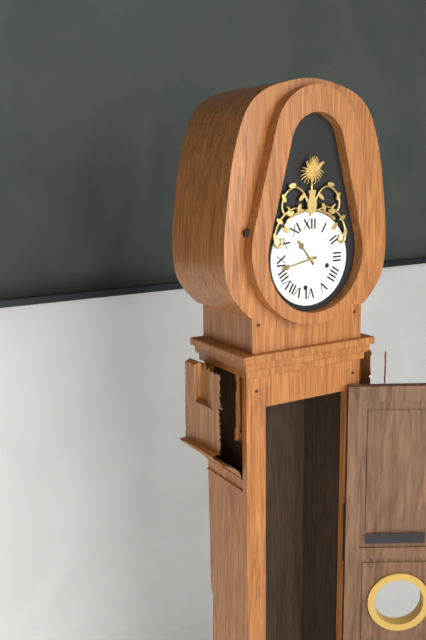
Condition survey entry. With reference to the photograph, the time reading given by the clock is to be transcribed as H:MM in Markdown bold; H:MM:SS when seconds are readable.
**10:43**
